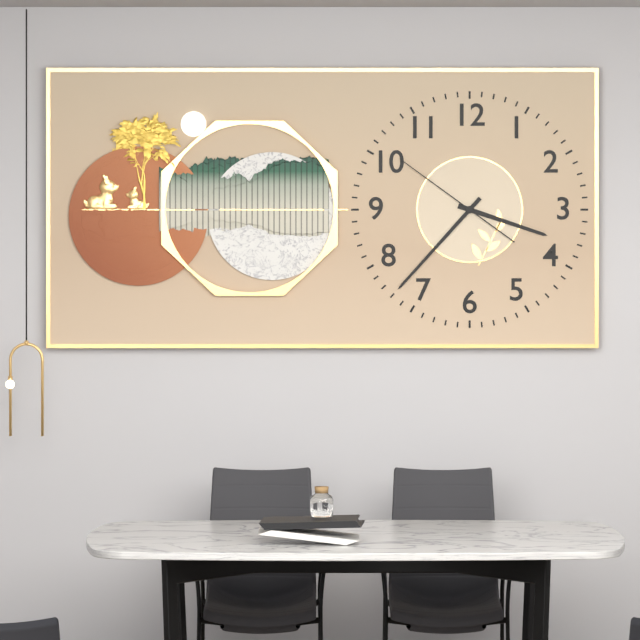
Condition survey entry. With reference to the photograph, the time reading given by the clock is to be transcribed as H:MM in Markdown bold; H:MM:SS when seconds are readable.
**3:37:51**
